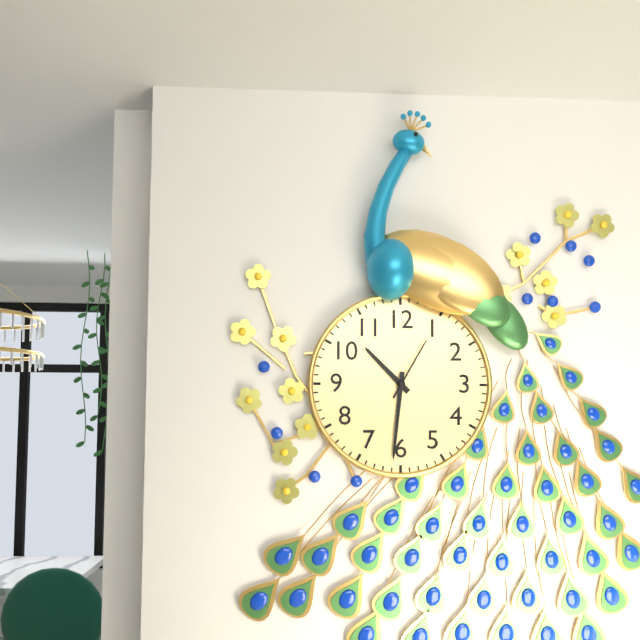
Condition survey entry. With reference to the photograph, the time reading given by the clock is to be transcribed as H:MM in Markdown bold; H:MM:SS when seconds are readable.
**10:31:05**
